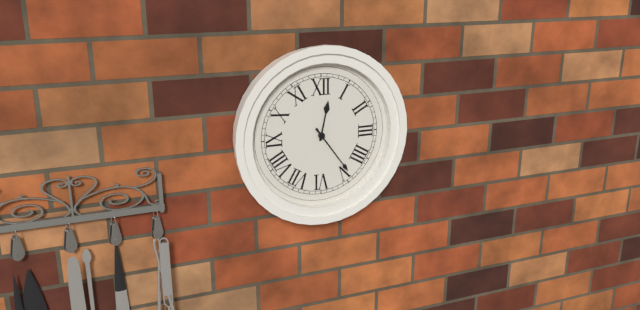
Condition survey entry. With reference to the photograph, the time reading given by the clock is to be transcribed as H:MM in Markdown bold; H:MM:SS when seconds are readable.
**12:24**
